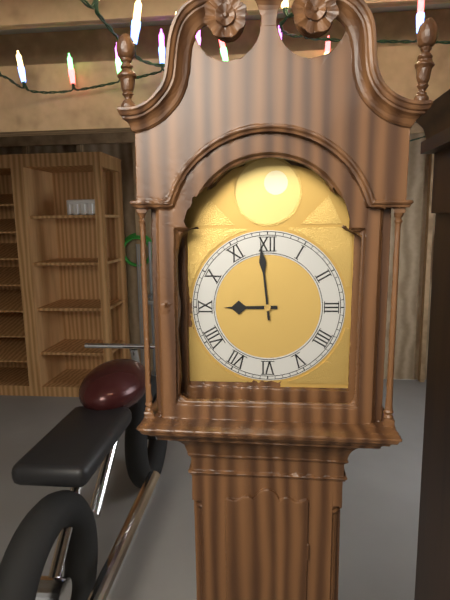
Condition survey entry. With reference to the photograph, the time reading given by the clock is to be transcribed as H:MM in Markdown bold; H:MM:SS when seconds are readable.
**8:59**
